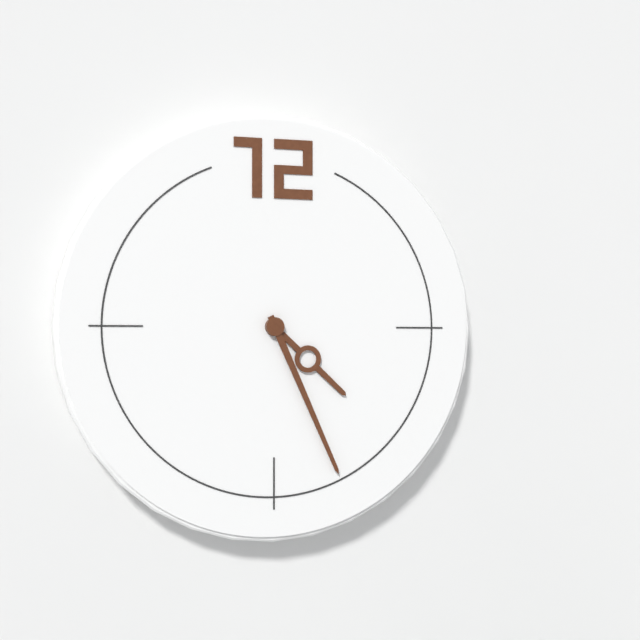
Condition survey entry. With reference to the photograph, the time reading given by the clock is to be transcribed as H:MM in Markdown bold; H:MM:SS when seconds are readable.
**4:26**
